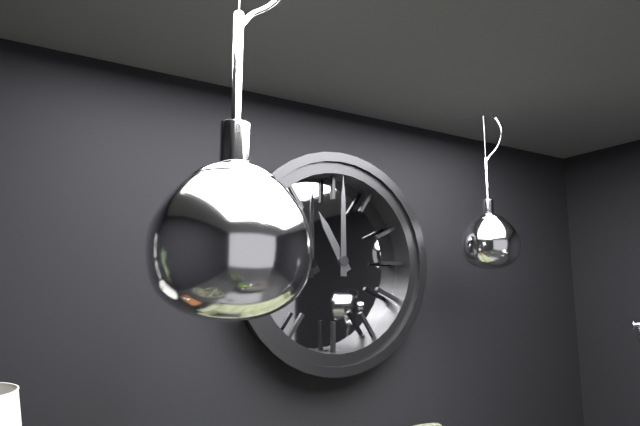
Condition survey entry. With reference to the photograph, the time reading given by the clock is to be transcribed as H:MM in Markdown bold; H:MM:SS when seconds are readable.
**11:00**
